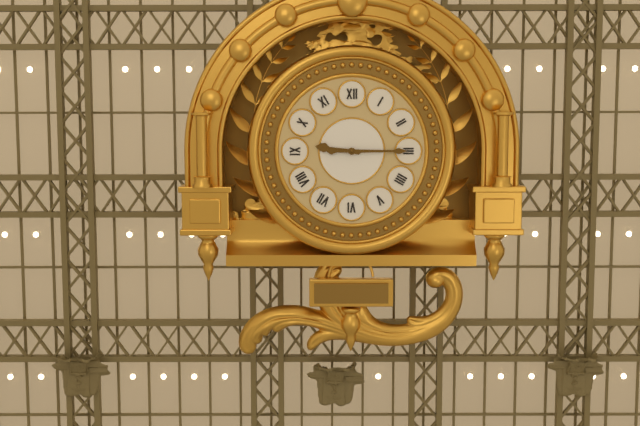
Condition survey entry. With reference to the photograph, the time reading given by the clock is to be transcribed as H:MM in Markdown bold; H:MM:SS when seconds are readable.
**9:15**
